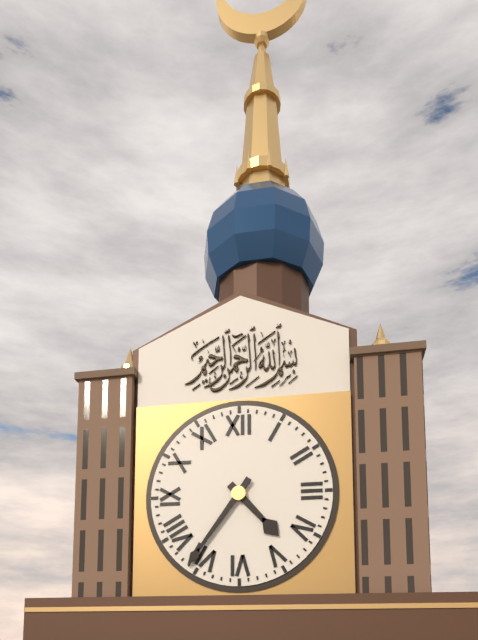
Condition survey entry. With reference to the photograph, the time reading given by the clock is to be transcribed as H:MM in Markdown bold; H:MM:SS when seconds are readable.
**4:36**
